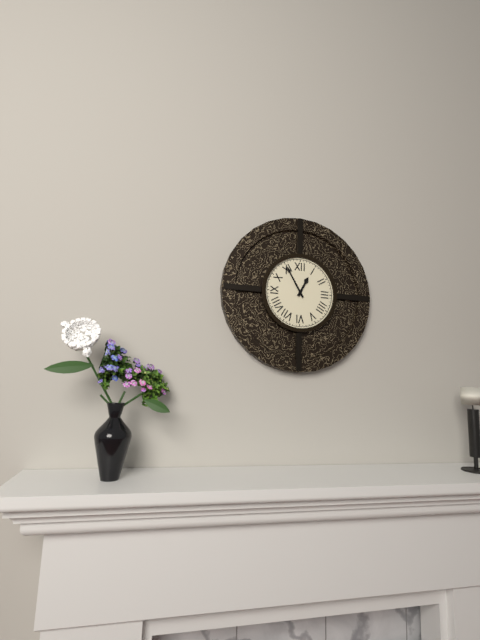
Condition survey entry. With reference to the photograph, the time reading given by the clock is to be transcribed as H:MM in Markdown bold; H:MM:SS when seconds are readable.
**12:55**
